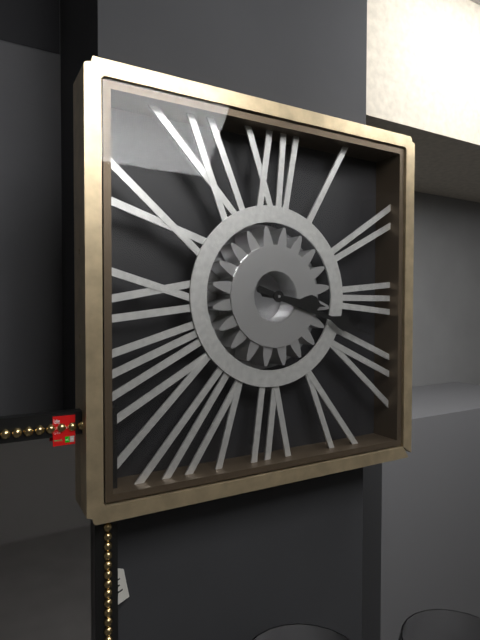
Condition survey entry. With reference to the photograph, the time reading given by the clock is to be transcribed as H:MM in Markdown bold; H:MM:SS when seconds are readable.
**3:18**
